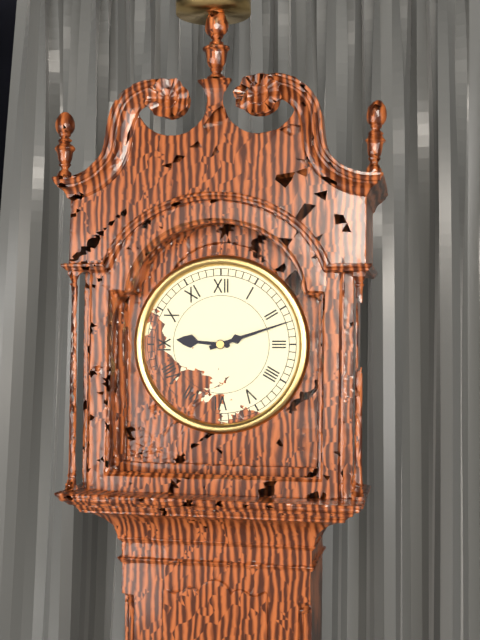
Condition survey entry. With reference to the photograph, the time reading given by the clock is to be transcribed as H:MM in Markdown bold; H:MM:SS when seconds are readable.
**9:12**
